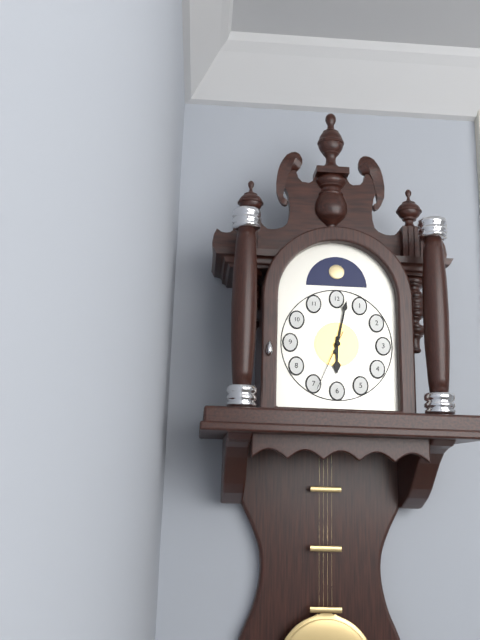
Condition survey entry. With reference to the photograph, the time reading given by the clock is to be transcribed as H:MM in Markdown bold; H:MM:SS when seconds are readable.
**6:02:34**
